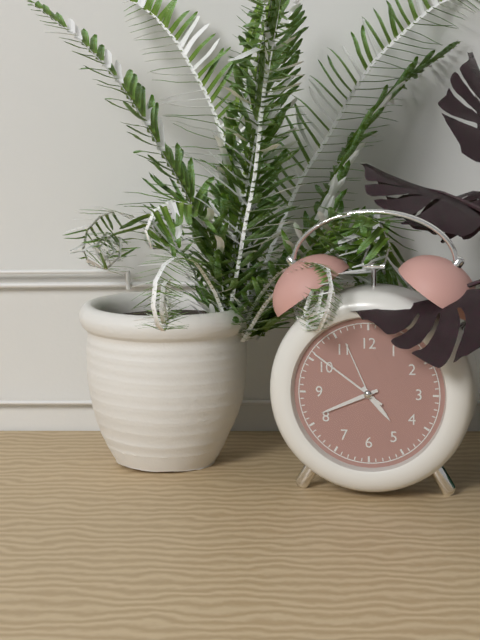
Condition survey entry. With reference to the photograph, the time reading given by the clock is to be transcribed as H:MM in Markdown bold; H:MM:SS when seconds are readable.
**4:41:51**
